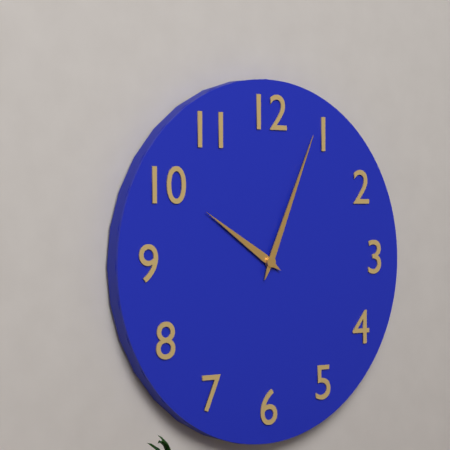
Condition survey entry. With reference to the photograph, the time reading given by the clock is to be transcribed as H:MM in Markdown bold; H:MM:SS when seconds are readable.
**10:04**
